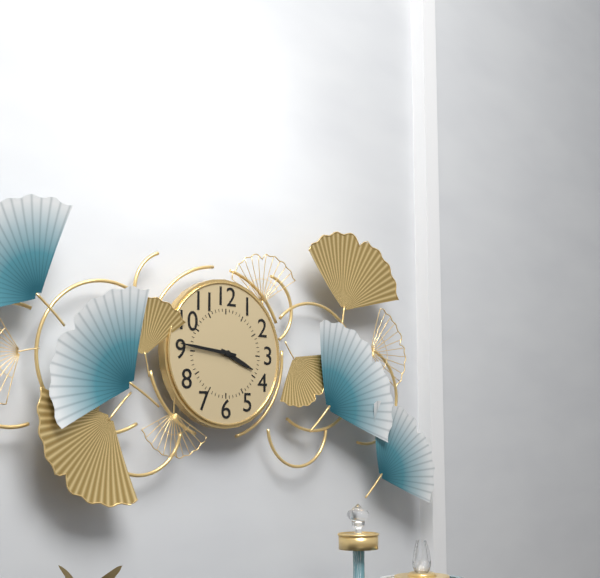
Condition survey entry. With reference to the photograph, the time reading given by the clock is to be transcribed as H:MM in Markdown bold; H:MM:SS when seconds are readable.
**3:46**
